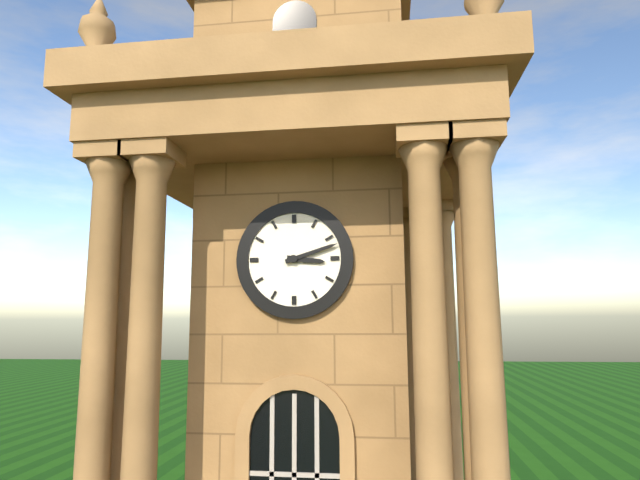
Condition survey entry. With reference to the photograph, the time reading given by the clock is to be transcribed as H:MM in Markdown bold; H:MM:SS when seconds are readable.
**3:12**
